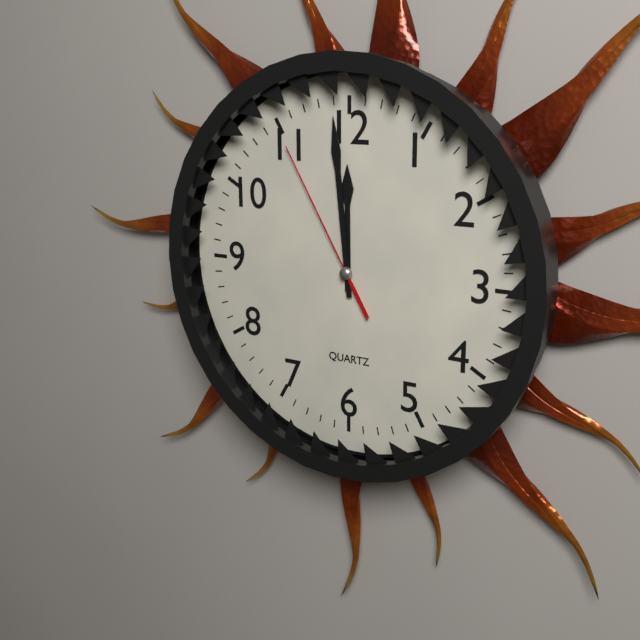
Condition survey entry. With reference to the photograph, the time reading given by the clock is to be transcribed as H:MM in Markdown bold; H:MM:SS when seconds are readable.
**11:59:55**
